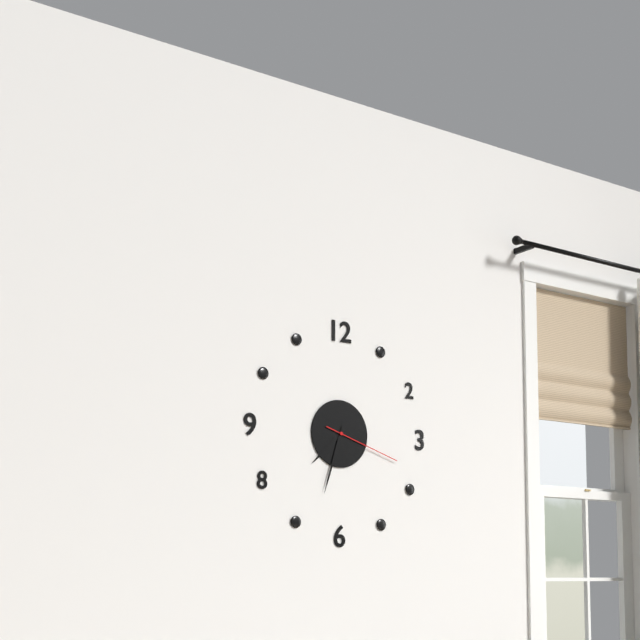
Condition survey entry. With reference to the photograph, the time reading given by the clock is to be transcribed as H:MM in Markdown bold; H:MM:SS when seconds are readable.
**7:33:18**
